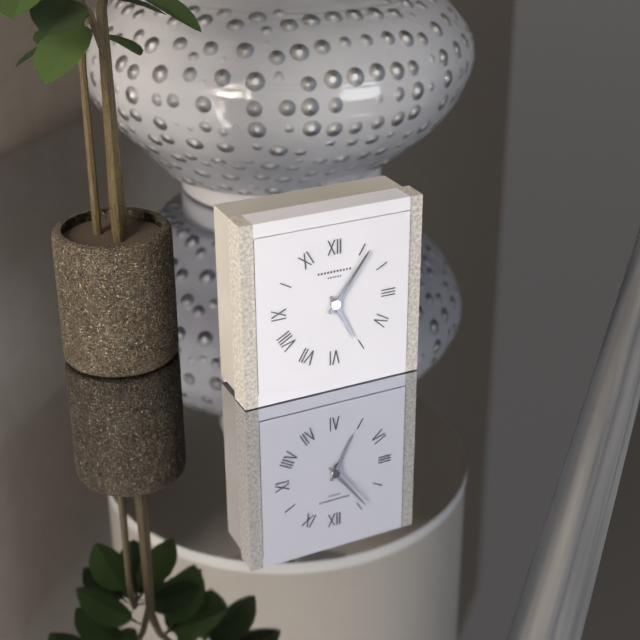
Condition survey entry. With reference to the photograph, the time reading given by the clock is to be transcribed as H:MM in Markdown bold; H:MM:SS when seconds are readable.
**5:06**
